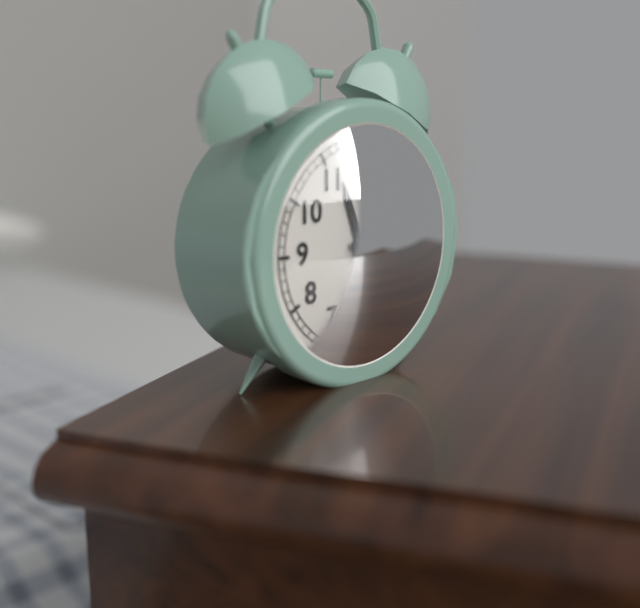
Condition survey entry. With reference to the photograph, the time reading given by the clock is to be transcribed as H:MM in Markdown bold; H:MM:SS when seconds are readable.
**11:17:34**
